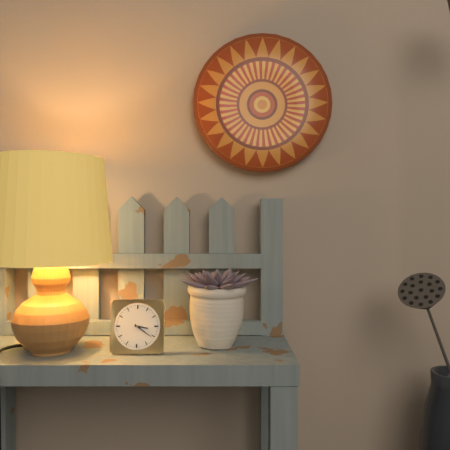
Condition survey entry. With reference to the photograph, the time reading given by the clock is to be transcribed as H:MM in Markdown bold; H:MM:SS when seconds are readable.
**3:21**
